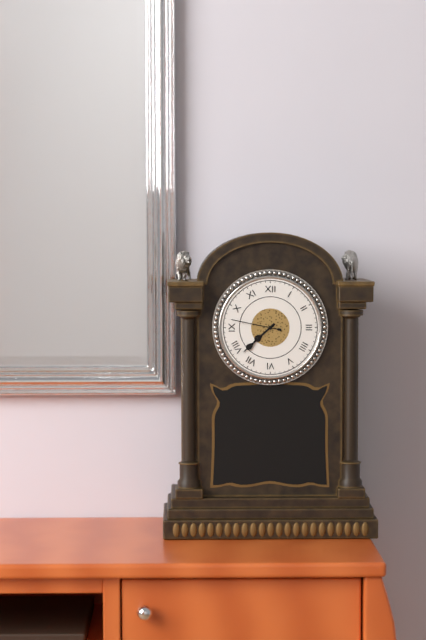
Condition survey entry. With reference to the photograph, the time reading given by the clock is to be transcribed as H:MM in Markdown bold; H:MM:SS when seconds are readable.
**7:38:47**
